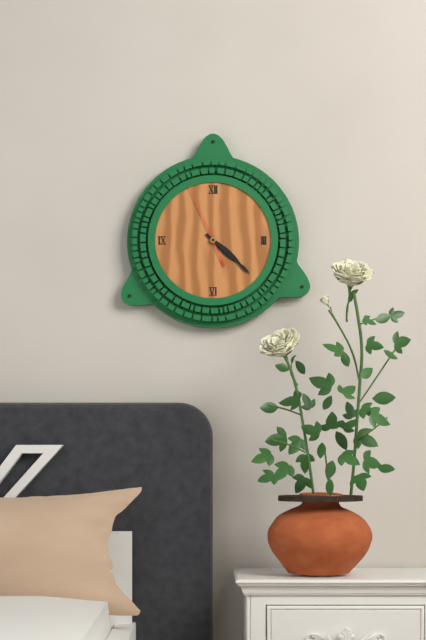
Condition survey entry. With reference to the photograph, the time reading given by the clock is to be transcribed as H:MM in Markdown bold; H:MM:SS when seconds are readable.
**4:22:56**
